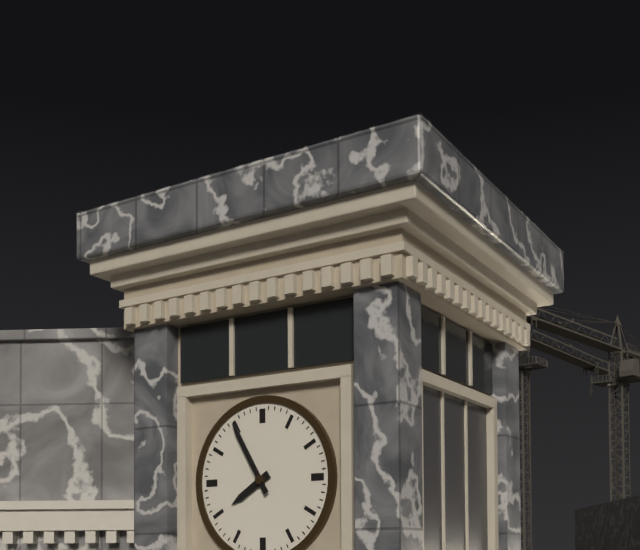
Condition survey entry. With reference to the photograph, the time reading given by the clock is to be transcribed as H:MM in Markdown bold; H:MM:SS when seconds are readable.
**7:55**
